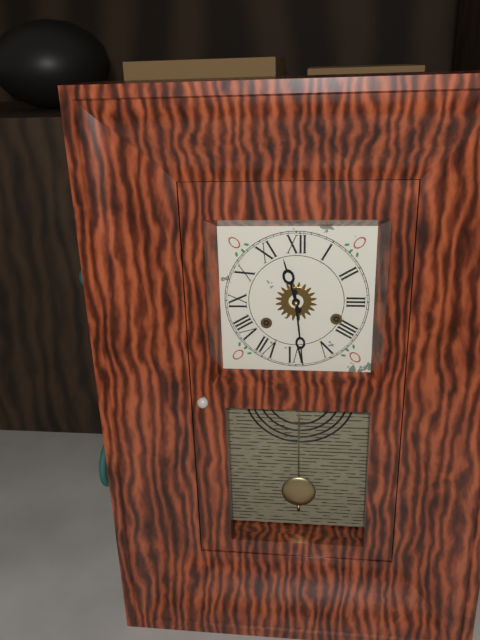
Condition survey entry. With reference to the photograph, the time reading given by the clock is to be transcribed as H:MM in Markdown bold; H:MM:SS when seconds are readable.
**11:29**
